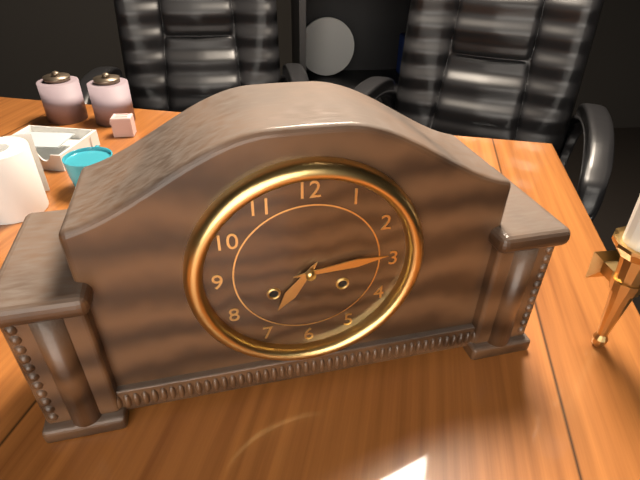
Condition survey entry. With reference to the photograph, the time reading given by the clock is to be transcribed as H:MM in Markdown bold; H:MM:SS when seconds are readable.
**7:14**
